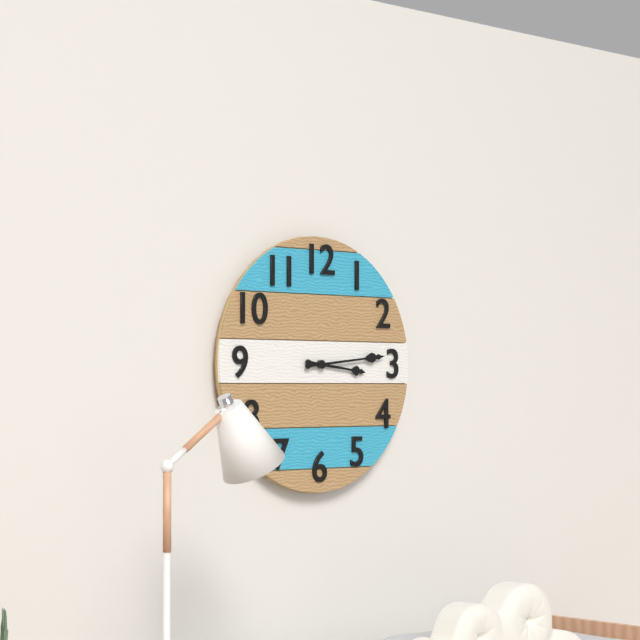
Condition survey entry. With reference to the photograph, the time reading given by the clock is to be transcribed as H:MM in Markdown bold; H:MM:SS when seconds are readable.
**3:14**
